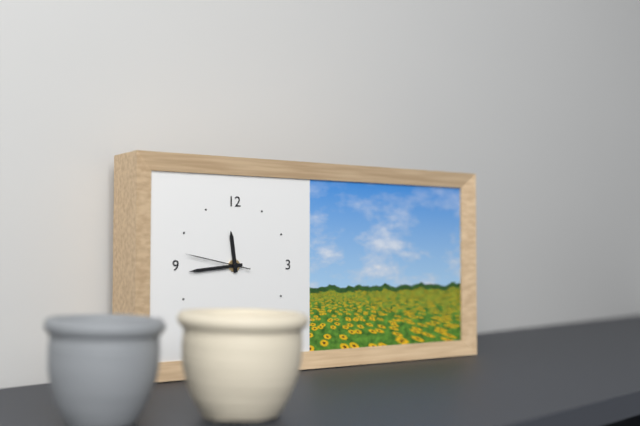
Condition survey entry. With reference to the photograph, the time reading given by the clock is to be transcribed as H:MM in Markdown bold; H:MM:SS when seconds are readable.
**11:44:47**
